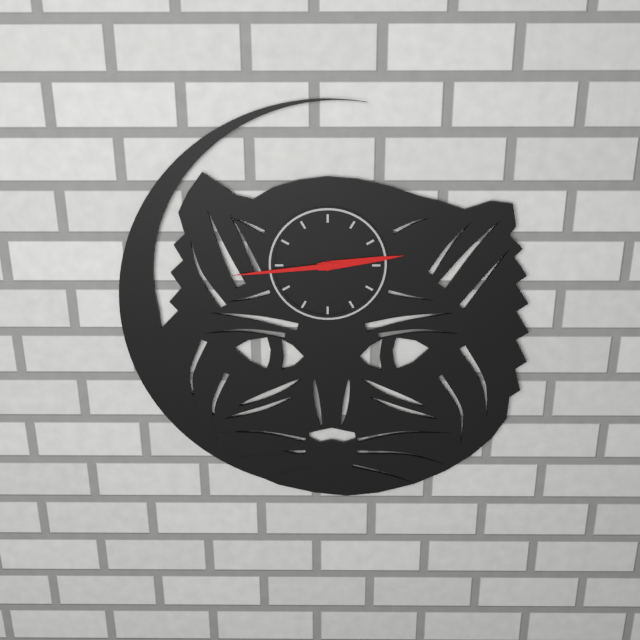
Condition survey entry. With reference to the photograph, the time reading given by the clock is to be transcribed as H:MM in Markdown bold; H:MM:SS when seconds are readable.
**2:44**
